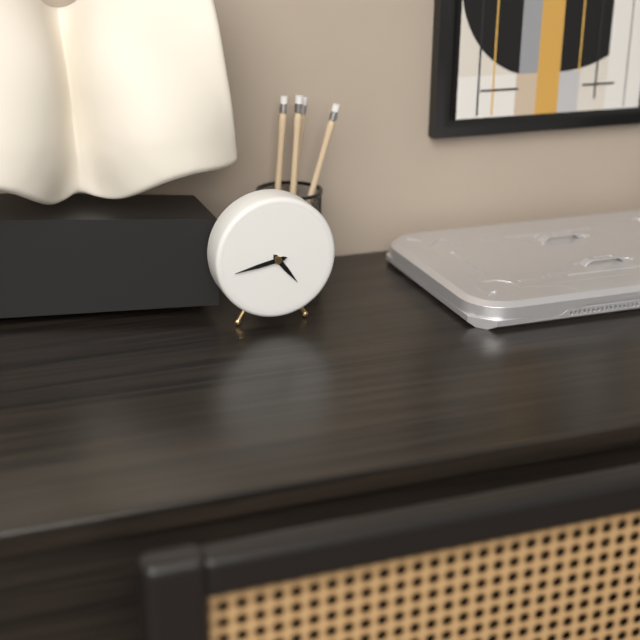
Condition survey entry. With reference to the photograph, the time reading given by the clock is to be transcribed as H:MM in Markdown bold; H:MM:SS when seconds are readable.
**4:43**
